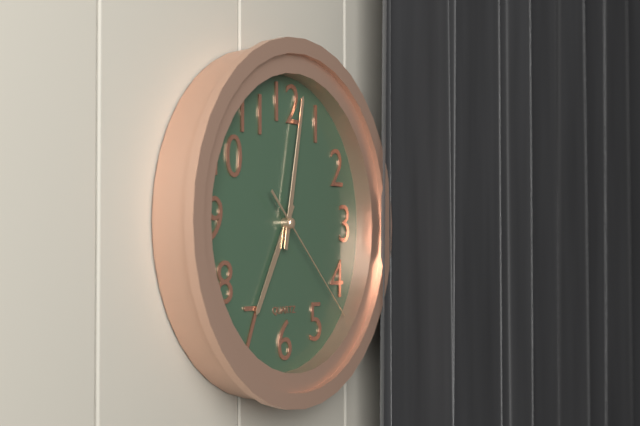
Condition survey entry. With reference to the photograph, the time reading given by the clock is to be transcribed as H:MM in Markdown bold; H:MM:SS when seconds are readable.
**7:02:22**
